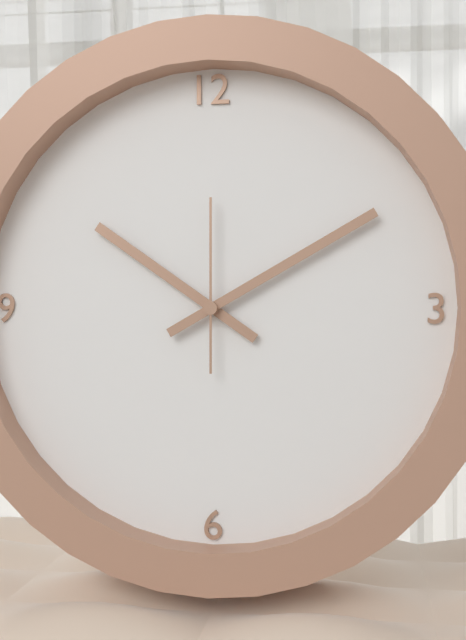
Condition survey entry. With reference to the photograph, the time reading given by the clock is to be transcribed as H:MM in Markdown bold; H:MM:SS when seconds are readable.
**10:10:00**
